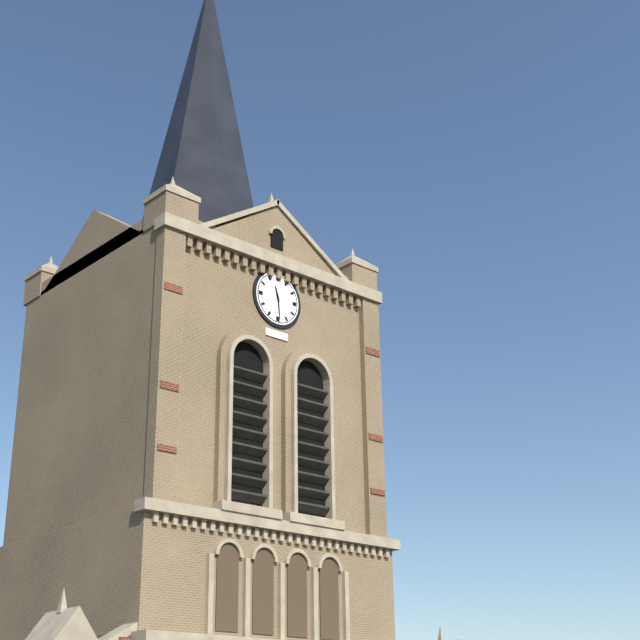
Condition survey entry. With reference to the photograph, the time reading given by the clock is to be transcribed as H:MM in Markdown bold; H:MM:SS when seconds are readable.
**11:29**
